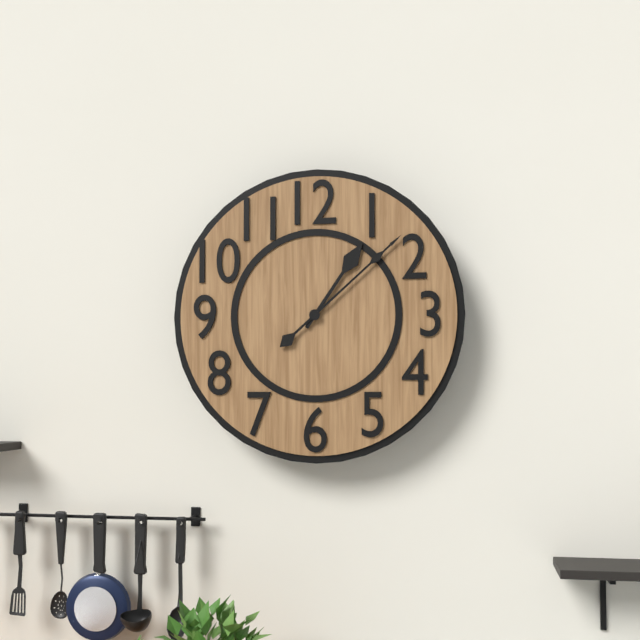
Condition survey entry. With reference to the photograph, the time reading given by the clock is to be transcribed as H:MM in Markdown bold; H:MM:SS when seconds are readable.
**1:08**
